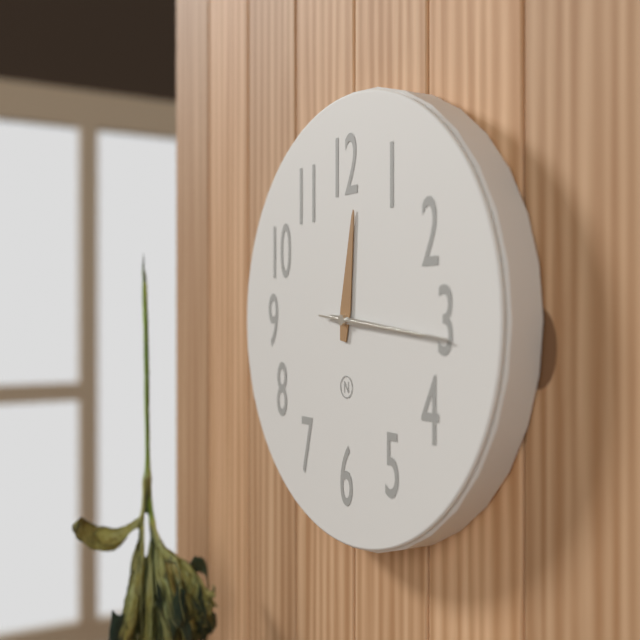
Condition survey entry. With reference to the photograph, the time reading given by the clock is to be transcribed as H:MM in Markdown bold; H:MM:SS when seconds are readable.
**12:16:16**
